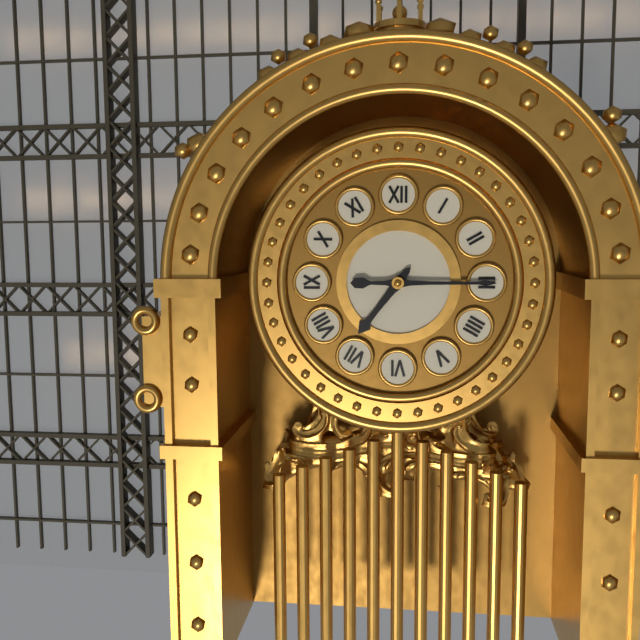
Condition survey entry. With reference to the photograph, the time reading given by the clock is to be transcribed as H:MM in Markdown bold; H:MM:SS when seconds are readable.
**7:15**
